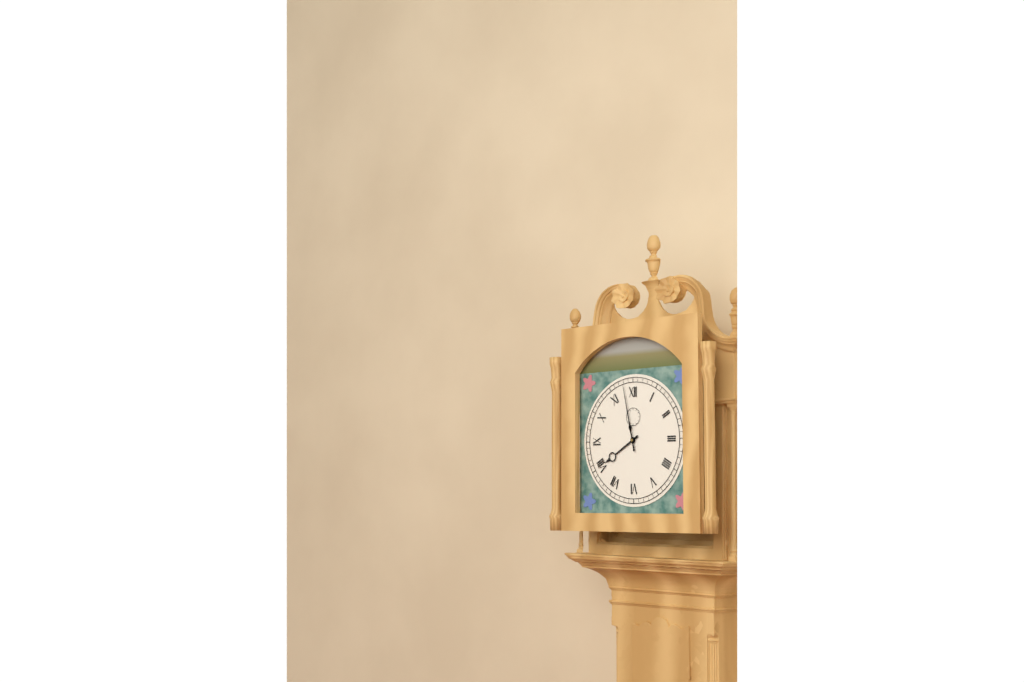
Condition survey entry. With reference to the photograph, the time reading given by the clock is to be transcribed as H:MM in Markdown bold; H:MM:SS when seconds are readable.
**7:58**
